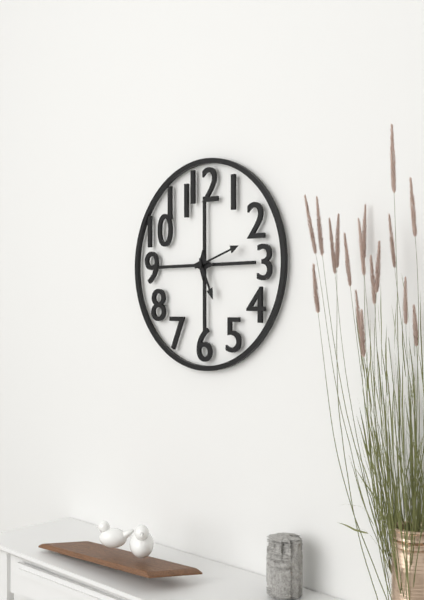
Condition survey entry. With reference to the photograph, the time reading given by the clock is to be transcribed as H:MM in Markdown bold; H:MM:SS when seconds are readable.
**5:12**
